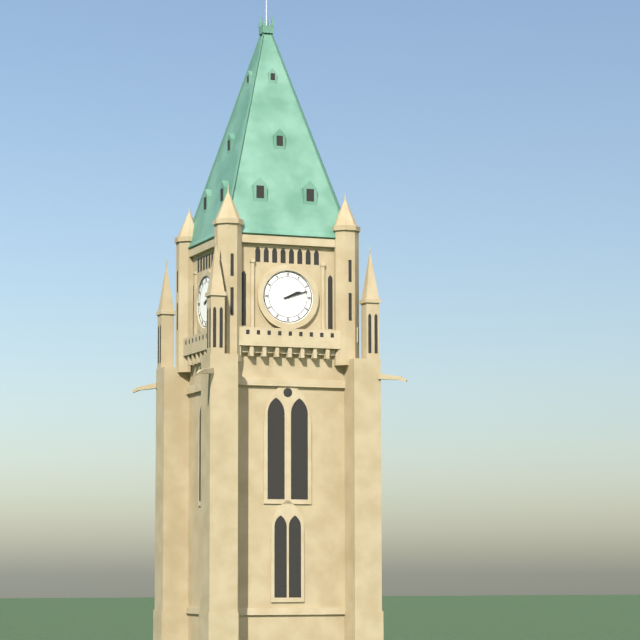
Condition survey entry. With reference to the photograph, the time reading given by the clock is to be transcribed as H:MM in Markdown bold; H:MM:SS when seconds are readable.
**2:12**
